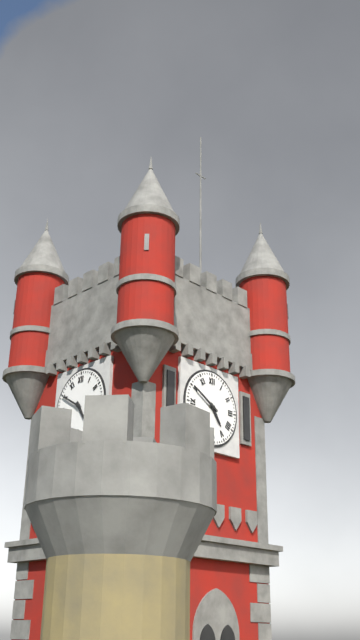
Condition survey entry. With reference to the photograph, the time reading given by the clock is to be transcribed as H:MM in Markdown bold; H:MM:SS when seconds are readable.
**4:50**
